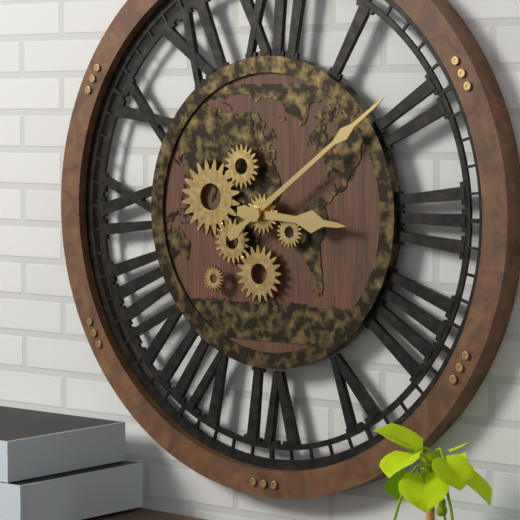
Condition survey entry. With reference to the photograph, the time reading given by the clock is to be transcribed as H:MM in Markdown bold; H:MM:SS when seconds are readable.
**3:09**
